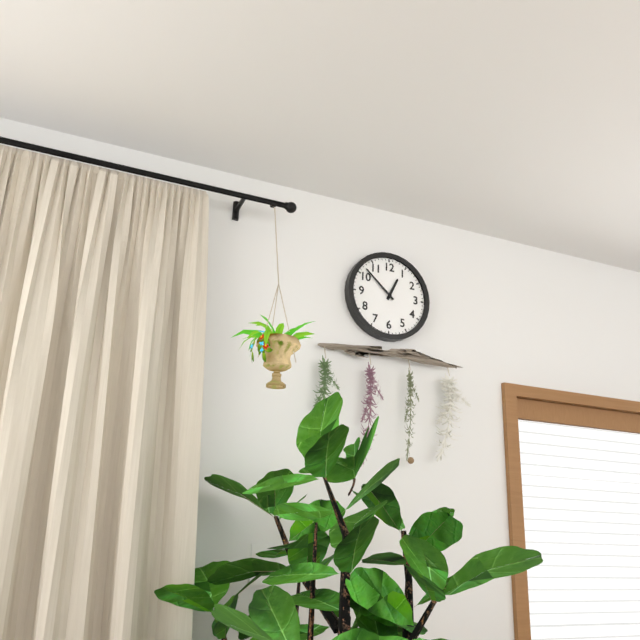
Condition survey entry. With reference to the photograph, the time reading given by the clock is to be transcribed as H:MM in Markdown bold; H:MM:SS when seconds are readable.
**12:52**
